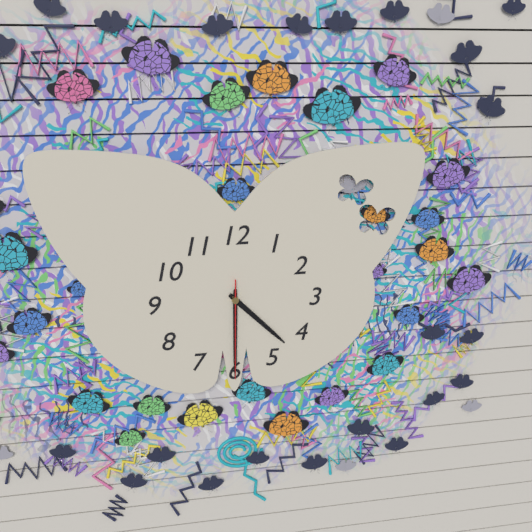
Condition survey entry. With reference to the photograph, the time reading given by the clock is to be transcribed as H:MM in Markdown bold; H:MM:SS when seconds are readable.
**4:30:30**
